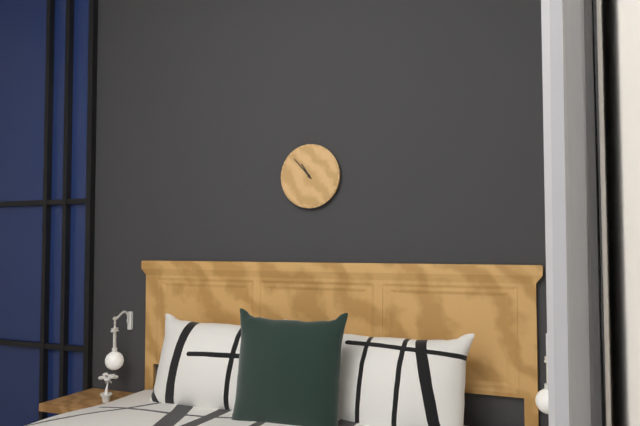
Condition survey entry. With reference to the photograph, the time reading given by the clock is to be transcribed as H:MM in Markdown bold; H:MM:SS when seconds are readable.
**10:53**
